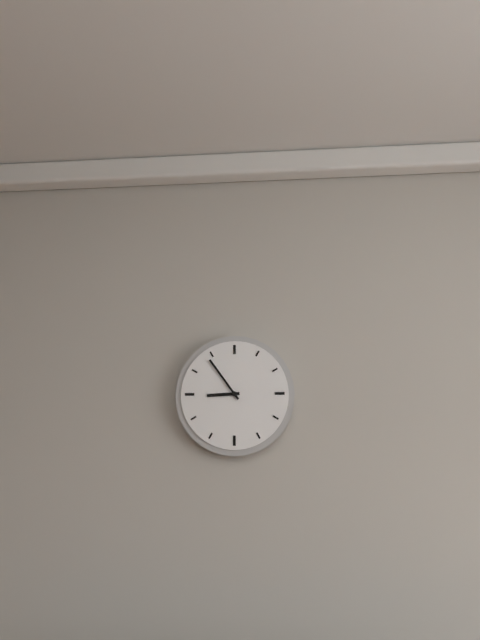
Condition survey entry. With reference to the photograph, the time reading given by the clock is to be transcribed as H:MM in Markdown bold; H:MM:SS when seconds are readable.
**8:54**
